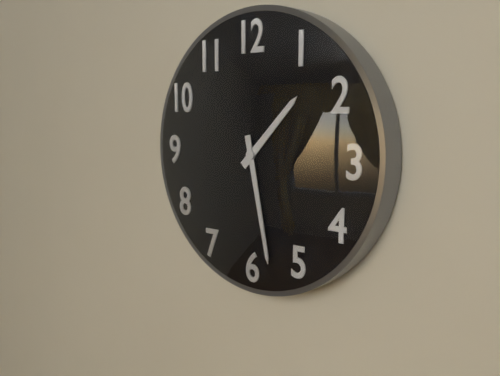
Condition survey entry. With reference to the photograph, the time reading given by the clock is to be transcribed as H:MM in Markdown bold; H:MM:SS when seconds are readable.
**1:28**
